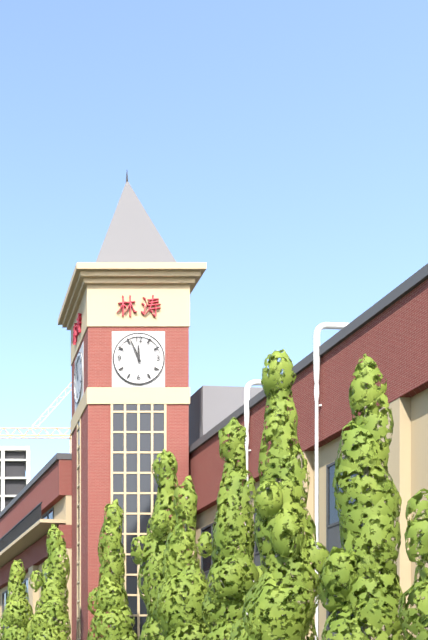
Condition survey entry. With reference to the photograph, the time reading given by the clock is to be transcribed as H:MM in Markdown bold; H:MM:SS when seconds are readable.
**11:56**
